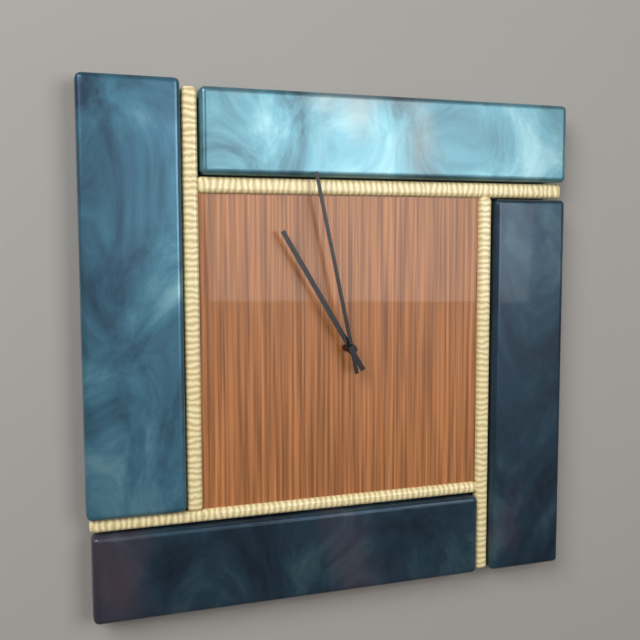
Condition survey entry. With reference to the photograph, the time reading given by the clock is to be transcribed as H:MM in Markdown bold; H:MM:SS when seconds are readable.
**10:58**
